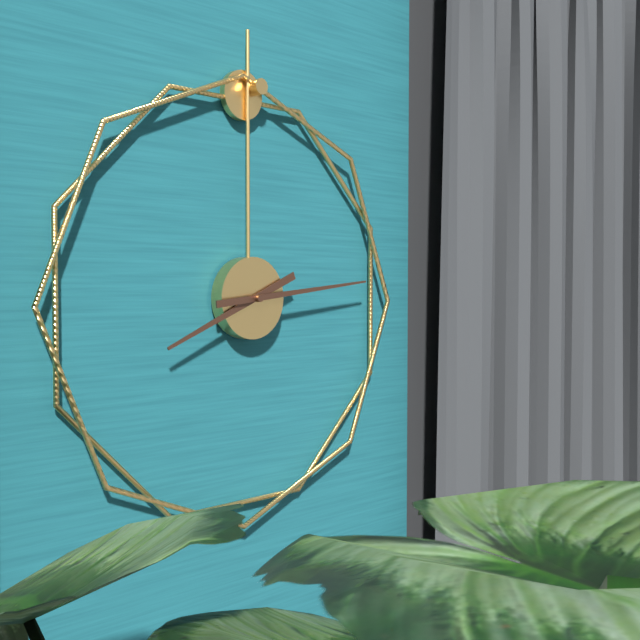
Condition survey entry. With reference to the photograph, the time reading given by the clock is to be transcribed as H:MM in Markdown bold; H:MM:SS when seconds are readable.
**8:14**
